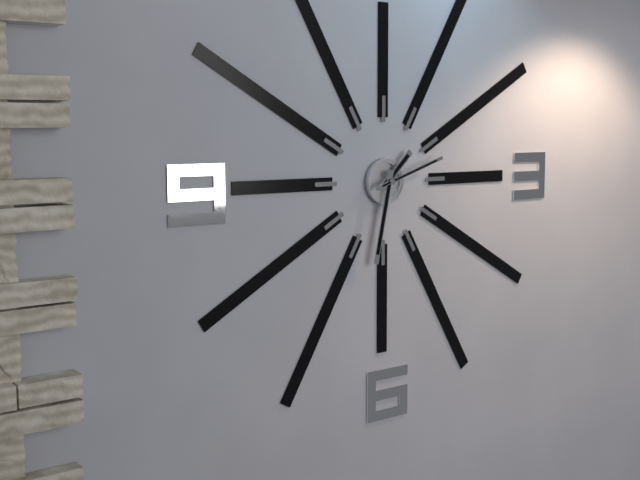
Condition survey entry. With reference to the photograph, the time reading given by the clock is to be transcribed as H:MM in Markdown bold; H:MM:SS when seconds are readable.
**1:32:12**
